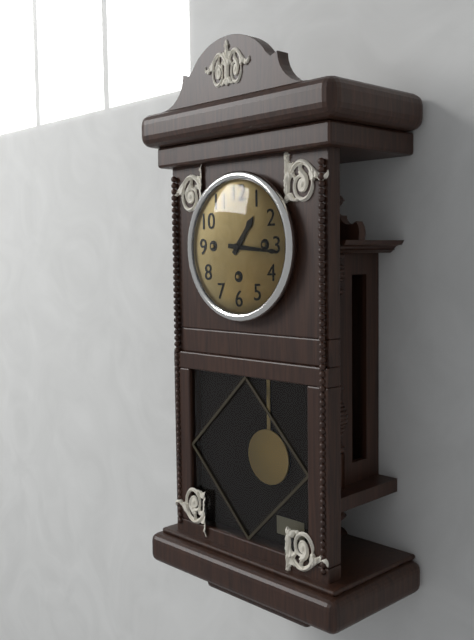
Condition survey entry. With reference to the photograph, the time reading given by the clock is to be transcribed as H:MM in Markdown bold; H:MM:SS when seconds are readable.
**1:16**
